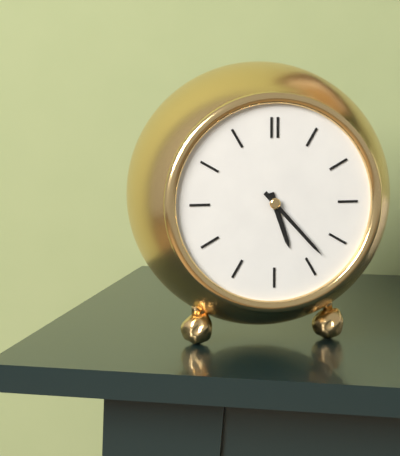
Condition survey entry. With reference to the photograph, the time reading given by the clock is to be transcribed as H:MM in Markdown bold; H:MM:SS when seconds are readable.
**5:23**
